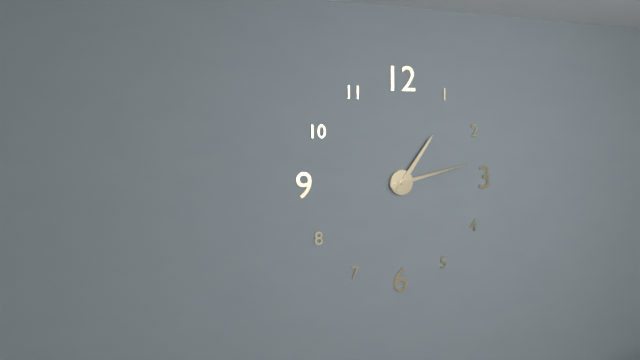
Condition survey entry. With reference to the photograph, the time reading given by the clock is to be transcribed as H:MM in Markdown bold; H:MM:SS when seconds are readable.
**1:13**
